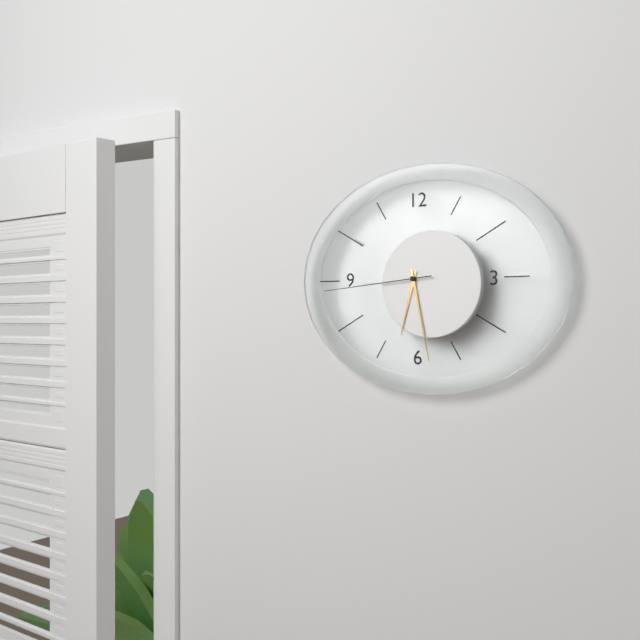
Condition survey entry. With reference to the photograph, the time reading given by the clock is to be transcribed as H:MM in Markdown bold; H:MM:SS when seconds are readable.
**6:28:44**
